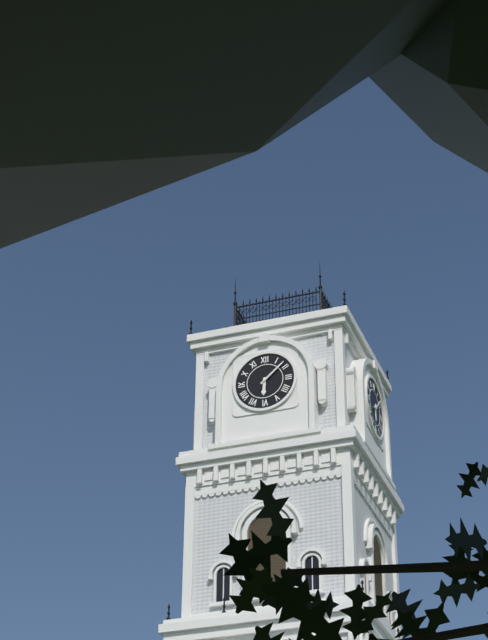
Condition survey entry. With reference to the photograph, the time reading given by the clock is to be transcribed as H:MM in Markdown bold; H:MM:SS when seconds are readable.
**6:08**
